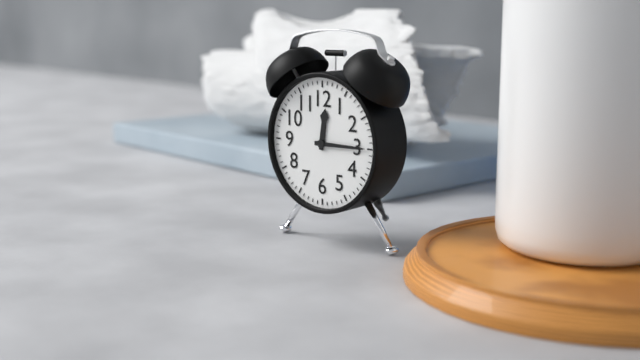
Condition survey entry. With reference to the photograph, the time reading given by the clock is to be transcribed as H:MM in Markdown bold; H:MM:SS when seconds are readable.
**12:15**
